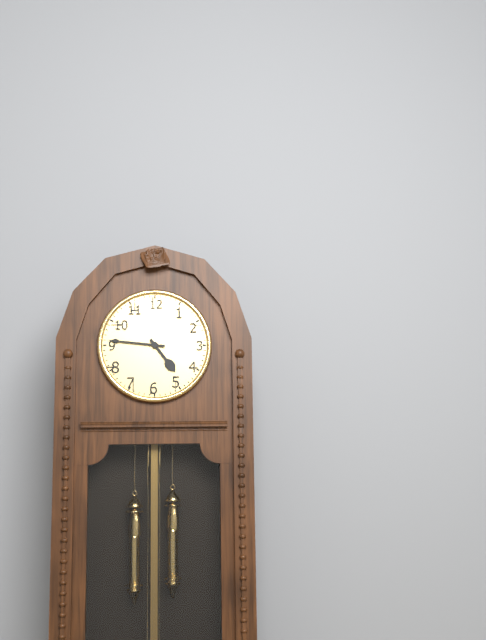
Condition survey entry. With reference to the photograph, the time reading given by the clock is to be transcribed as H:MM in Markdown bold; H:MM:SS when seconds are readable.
**4:46**
